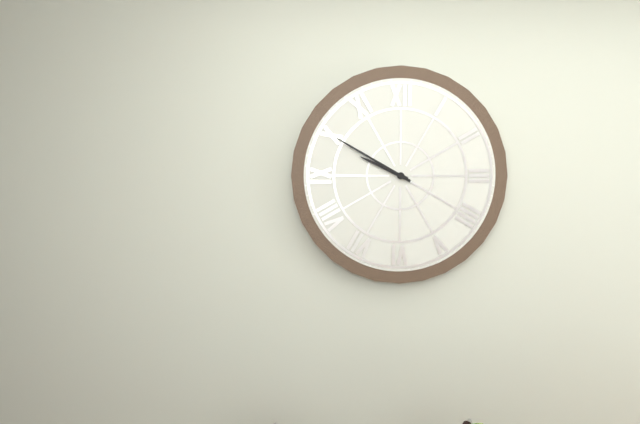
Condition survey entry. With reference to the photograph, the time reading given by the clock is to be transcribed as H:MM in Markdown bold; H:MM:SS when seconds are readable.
**9:50**
